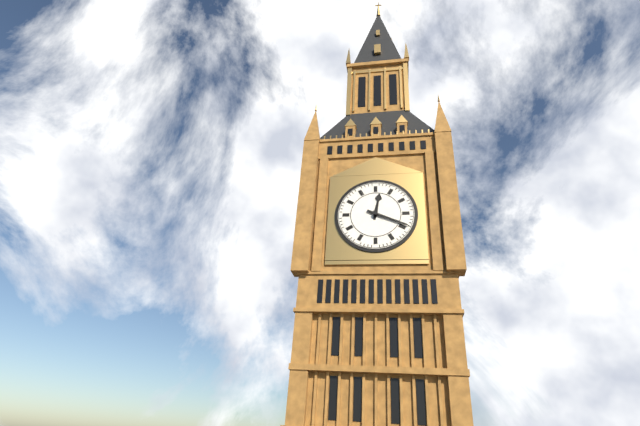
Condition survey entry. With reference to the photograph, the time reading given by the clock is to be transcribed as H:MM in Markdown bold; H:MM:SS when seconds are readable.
**12:19**
